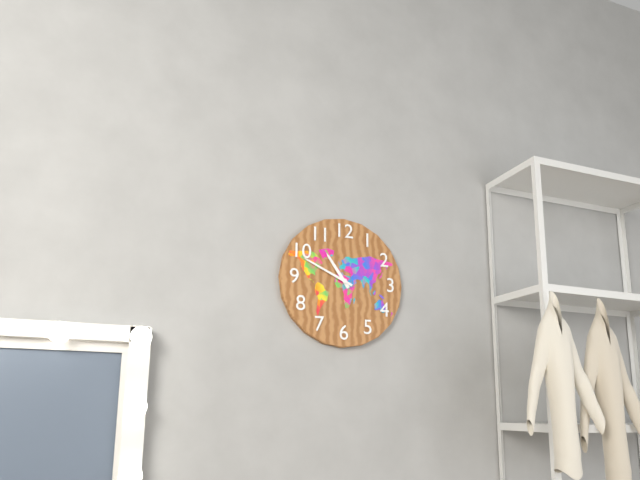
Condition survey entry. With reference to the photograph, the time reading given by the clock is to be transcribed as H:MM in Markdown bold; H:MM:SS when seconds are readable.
**10:49**
